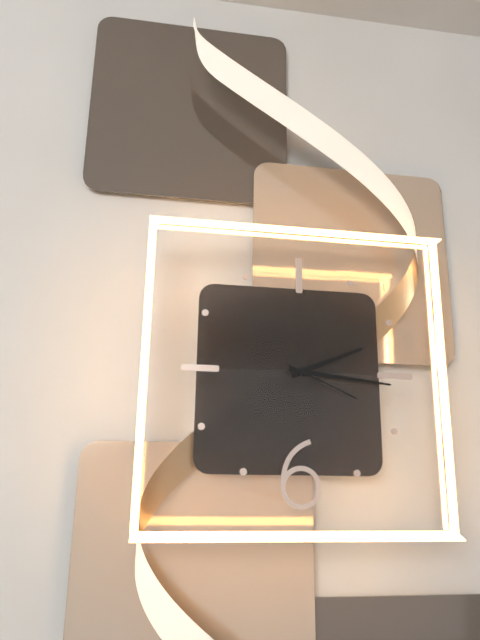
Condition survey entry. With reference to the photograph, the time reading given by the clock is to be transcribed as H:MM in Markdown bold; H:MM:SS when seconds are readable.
**2:16:19**
